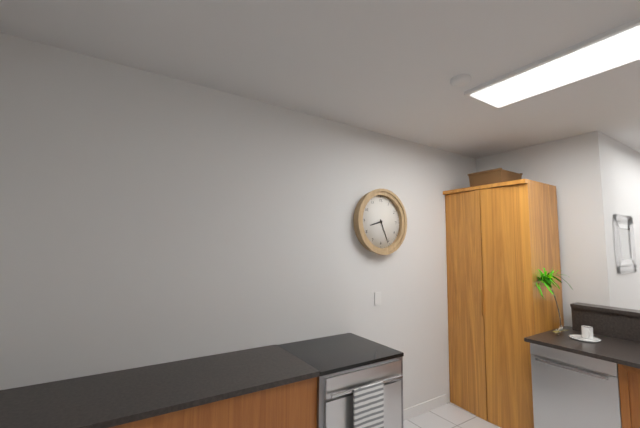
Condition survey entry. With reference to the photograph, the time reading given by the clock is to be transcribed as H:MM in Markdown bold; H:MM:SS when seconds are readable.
**8:26**
